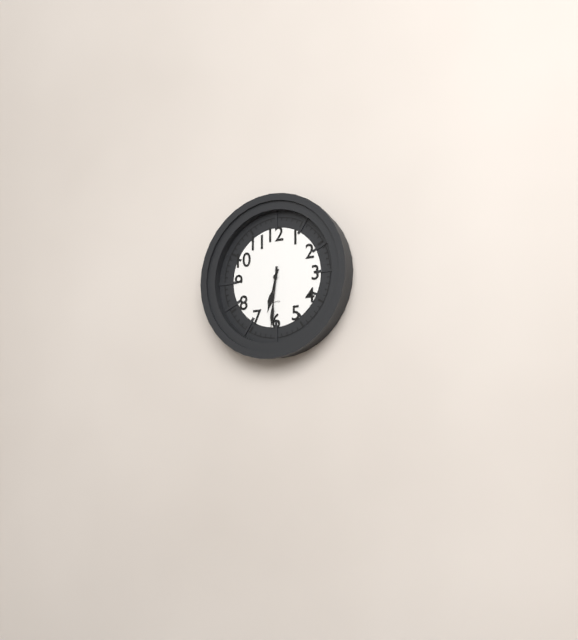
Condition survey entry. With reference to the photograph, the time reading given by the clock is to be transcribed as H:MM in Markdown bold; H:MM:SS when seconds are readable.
**6:31**
